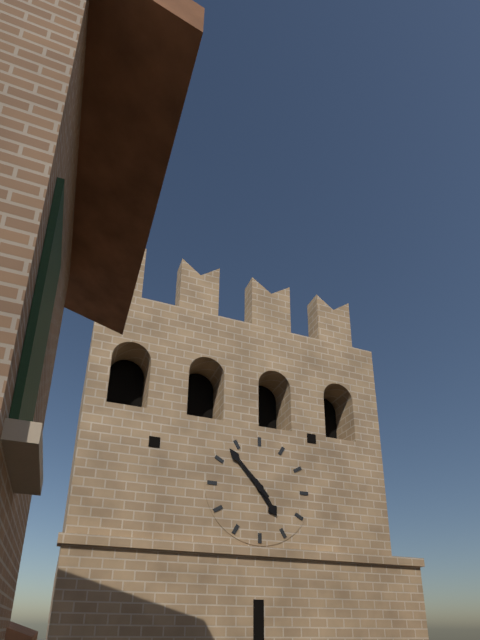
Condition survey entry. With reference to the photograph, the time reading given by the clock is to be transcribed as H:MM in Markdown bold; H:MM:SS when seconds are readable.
**4:53**
